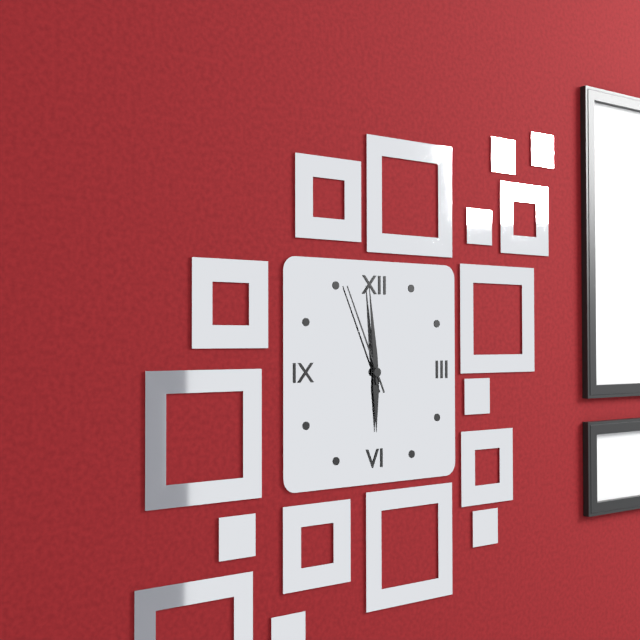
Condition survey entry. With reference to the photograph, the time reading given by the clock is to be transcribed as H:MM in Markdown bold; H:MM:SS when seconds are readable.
**5:59:56**
